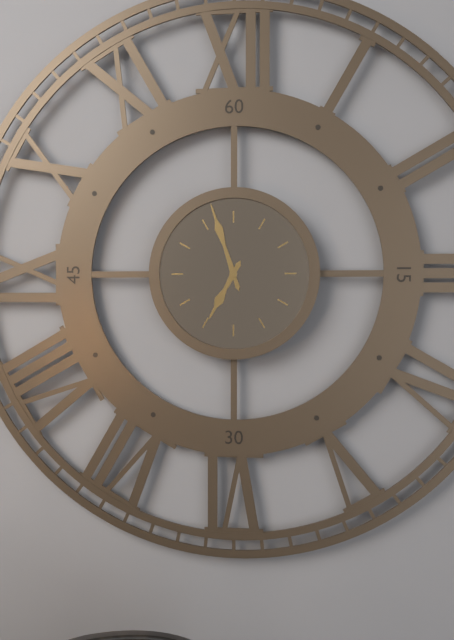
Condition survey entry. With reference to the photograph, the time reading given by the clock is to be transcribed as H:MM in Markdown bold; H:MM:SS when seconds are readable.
**6:57**
